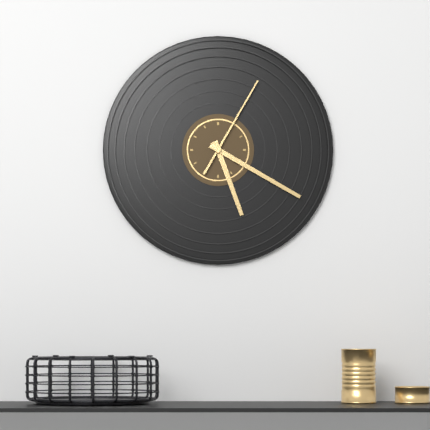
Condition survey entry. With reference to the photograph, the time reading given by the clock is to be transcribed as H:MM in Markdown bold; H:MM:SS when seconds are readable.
**5:20:05**
